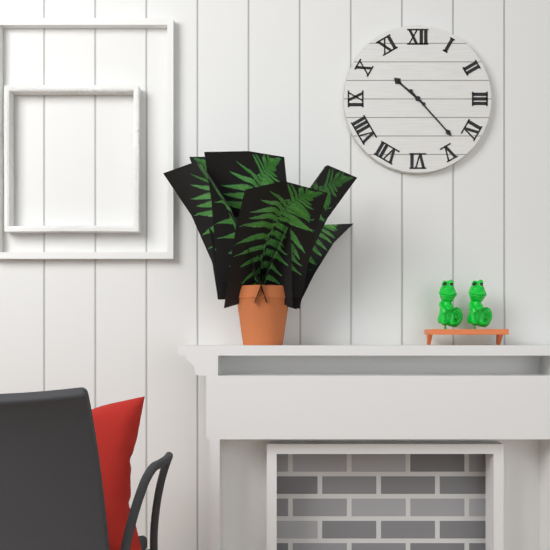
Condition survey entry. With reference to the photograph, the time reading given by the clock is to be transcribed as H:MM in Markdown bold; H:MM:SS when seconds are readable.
**10:23**
